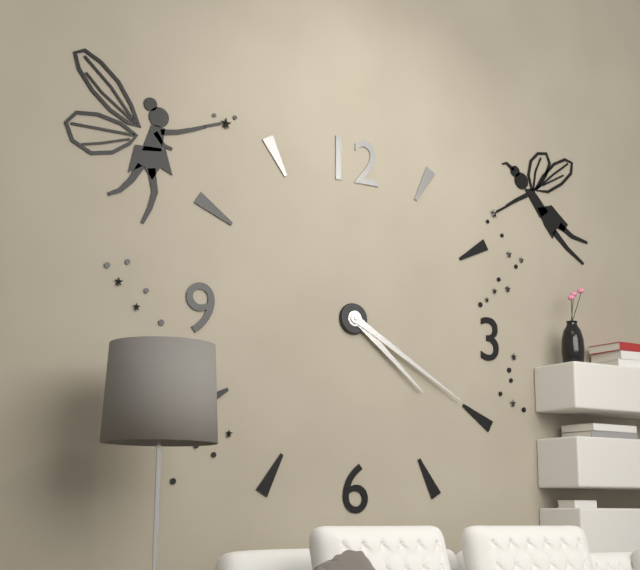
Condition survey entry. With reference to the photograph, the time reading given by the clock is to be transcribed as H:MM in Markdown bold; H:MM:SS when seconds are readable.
**4:20**
